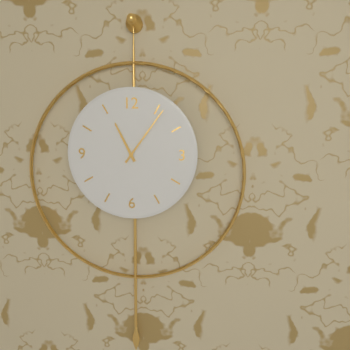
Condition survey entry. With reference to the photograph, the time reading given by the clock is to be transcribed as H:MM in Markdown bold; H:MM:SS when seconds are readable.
**11:06**
